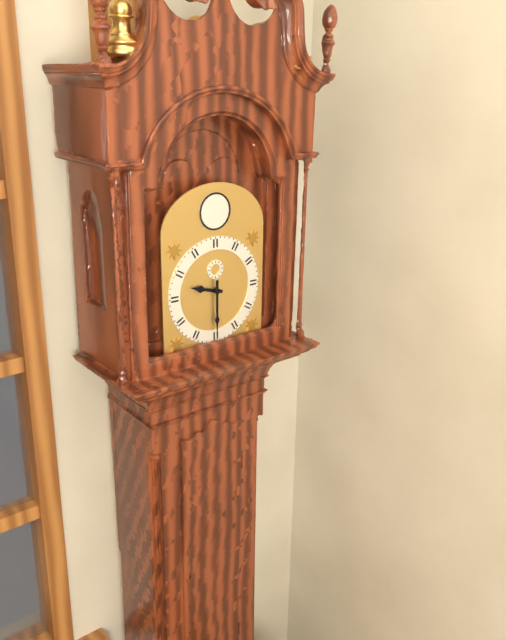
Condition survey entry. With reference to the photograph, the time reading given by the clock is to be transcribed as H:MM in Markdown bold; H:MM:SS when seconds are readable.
**9:30**
